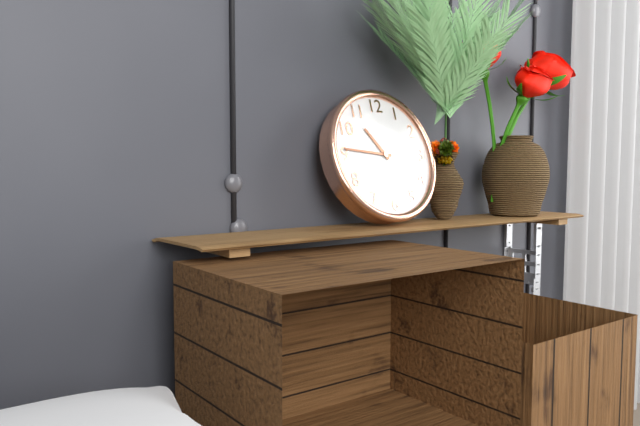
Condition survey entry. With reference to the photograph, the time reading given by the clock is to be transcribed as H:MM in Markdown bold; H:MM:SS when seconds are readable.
**10:46**
